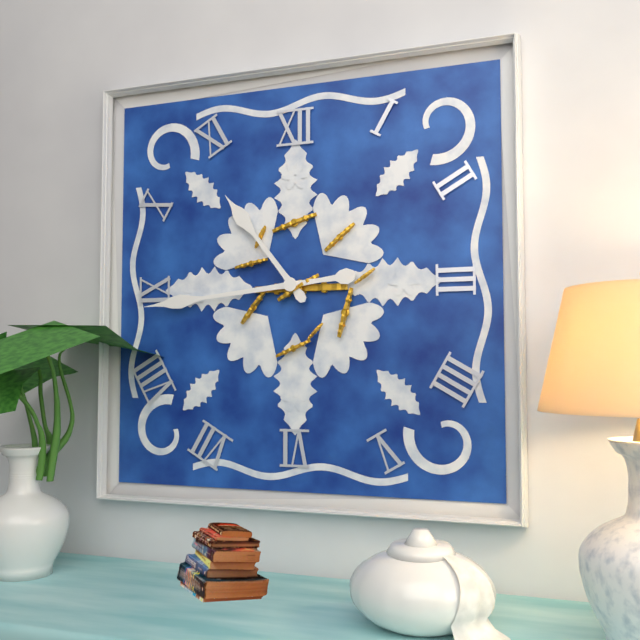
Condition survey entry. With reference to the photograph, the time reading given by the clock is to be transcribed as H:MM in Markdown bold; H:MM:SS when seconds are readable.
**10:44**
